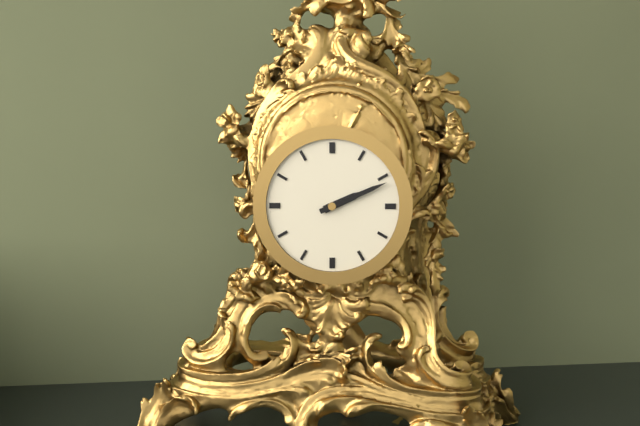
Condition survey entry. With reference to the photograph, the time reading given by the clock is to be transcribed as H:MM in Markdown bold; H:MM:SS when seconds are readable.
**2:11**
